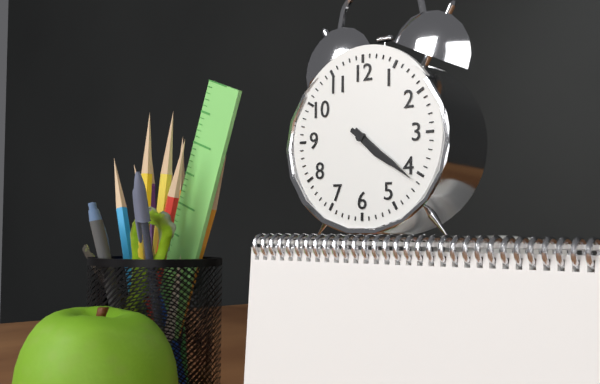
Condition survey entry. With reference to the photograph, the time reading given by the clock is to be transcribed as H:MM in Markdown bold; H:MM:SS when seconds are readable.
**4:21**
